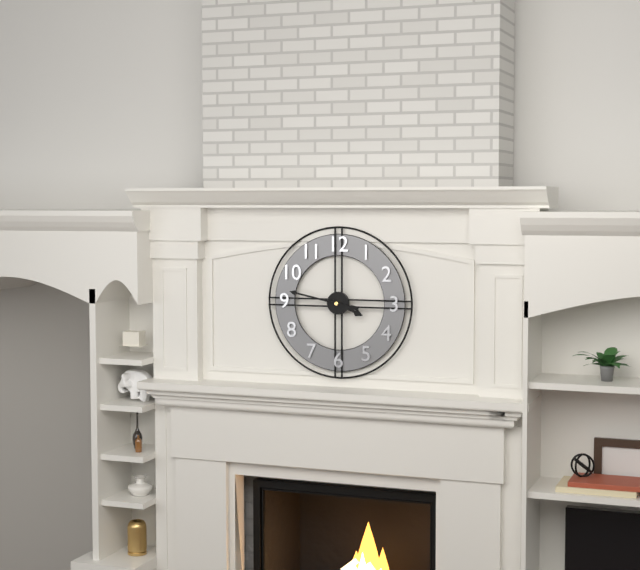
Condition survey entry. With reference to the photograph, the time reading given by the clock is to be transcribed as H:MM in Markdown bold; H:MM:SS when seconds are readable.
**3:47**
